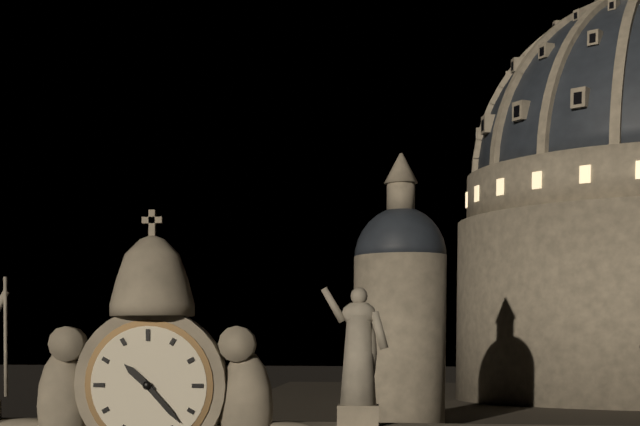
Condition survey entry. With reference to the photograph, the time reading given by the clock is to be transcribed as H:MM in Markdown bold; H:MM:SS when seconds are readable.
**10:23**
